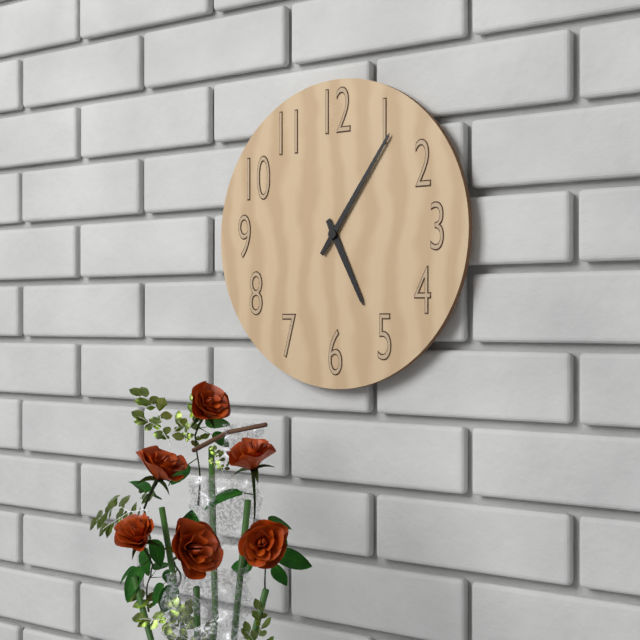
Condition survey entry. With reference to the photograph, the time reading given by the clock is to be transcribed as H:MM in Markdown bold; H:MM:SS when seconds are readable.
**5:06**
